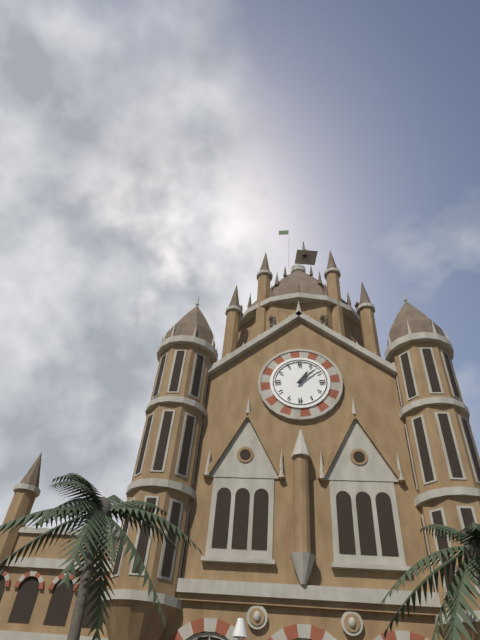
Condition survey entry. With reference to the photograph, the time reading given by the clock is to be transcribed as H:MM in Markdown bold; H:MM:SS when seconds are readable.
**1:08**
